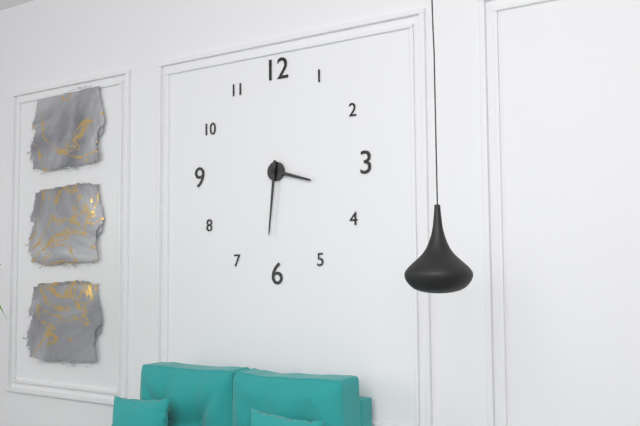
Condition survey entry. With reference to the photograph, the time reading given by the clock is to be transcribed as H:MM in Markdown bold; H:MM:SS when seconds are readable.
**3:31**
